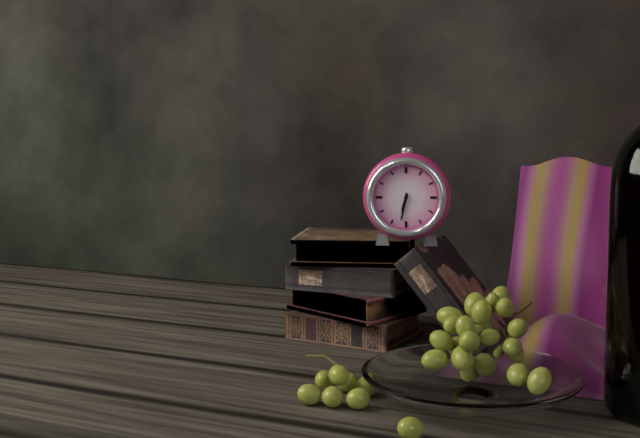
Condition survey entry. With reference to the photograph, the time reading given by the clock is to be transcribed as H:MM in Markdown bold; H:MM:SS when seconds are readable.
**6:32**
